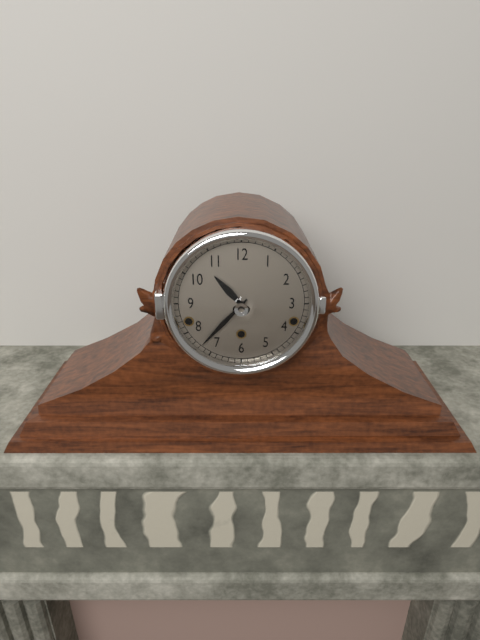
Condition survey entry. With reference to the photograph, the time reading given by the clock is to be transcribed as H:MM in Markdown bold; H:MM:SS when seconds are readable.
**10:37**
